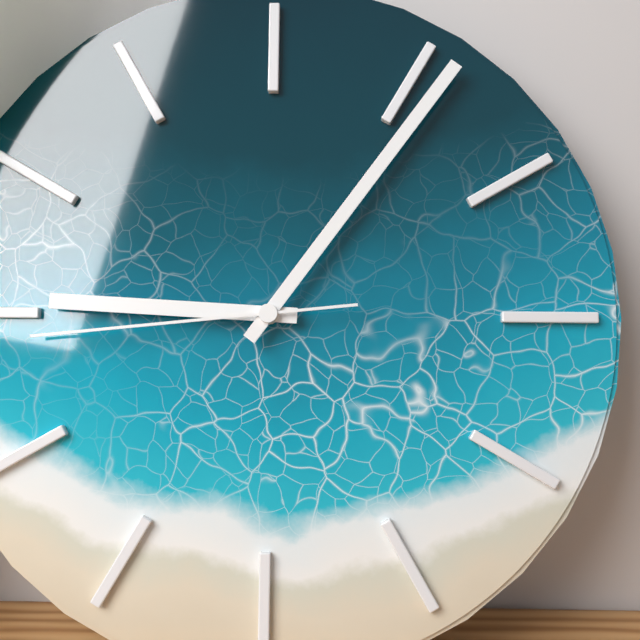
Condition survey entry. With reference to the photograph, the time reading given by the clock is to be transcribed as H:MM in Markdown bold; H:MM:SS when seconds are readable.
**9:06:44**
